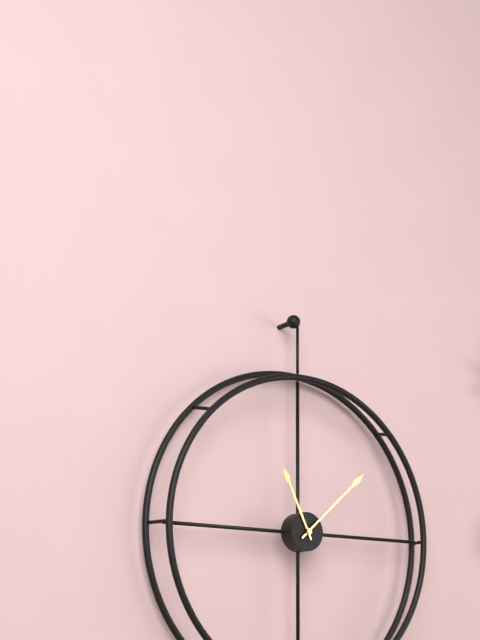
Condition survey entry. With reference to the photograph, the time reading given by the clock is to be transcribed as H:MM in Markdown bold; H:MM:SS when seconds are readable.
**11:08**
